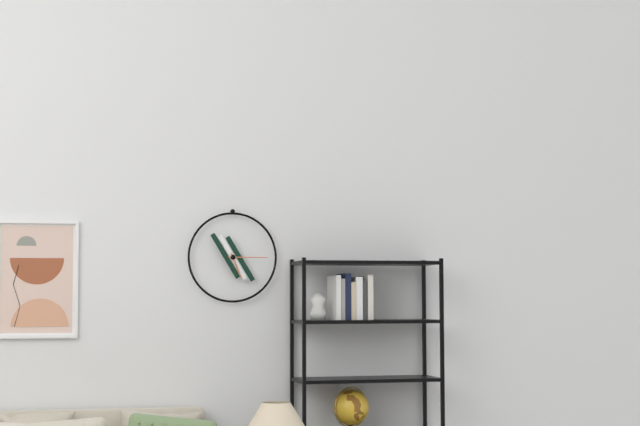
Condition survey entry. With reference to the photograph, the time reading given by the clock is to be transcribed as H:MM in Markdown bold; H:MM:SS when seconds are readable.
**5:15**
